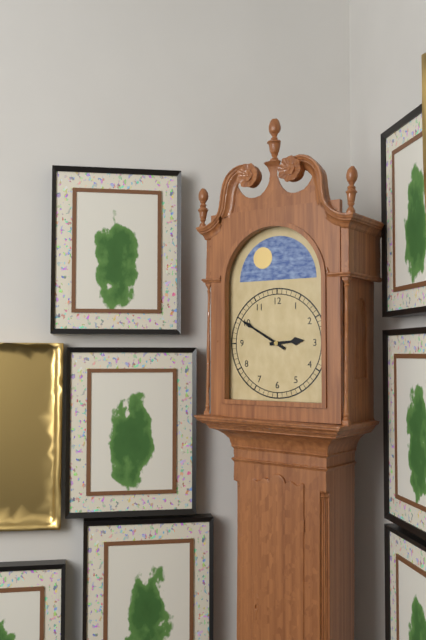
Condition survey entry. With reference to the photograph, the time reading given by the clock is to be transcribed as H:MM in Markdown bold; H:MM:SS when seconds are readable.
**2:50**
